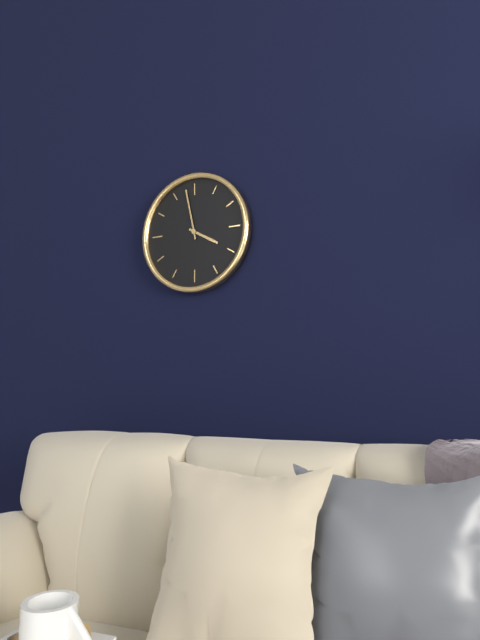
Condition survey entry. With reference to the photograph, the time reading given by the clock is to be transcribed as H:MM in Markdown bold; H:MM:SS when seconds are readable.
**3:58**
